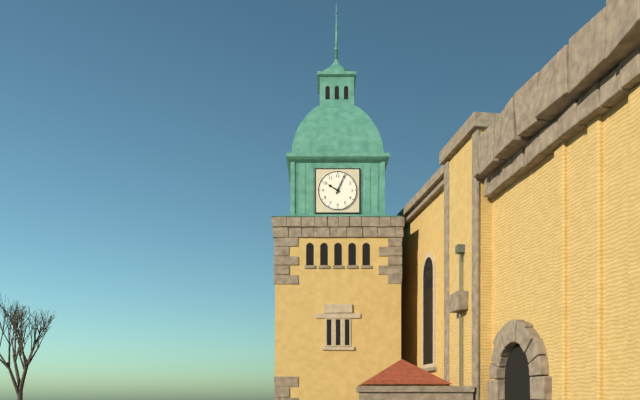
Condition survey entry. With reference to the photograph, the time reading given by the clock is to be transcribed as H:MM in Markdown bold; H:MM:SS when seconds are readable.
**10:04**
